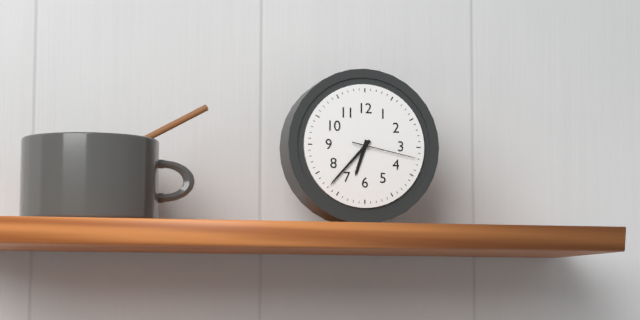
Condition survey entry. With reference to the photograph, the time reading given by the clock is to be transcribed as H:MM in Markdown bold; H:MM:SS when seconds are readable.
**6:37:17**
